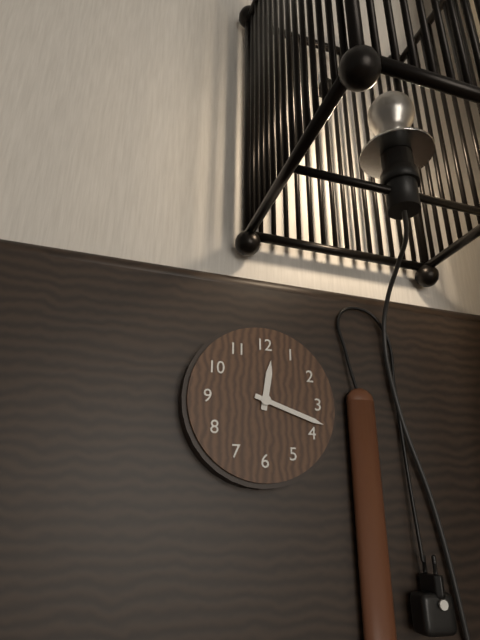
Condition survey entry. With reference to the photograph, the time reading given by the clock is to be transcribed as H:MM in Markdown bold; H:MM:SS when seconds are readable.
**12:18**
